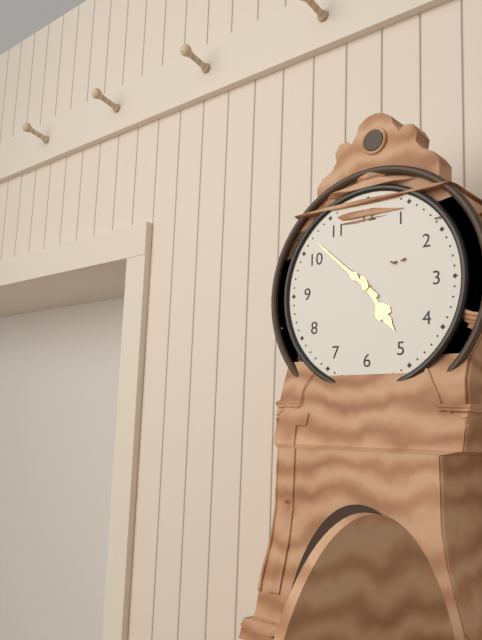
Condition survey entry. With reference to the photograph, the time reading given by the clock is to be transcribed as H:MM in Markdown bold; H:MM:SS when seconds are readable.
**4:52**
